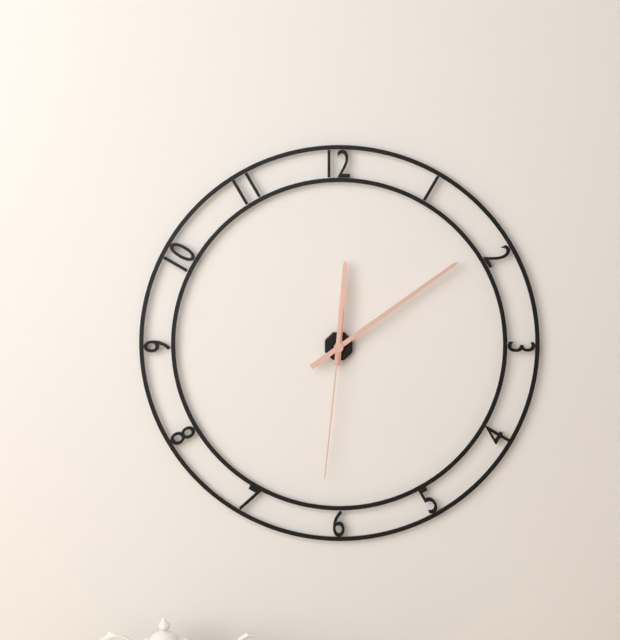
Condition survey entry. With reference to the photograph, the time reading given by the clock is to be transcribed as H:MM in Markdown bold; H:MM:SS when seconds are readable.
**12:09:31**
